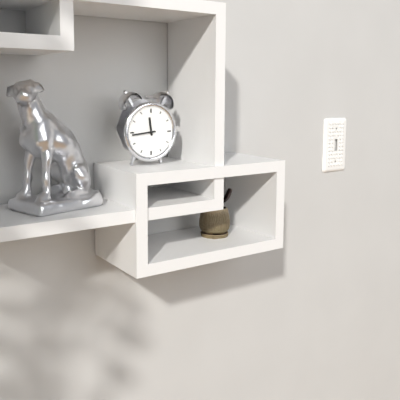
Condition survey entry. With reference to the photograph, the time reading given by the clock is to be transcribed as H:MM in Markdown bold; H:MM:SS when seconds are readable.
**11:44**
